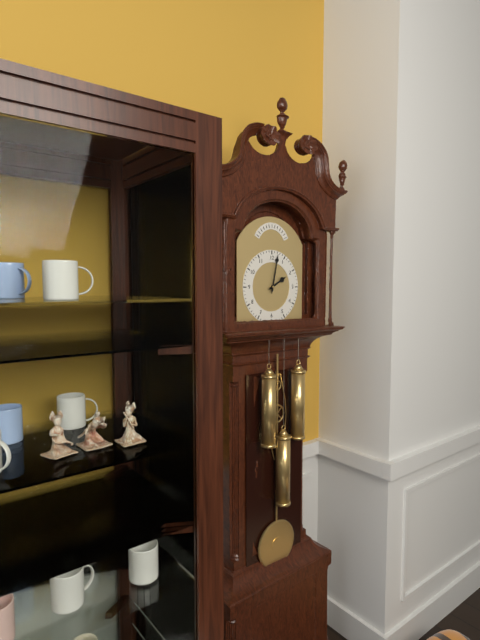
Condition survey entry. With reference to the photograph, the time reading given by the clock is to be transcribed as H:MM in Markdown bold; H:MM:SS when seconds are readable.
**2:02**
